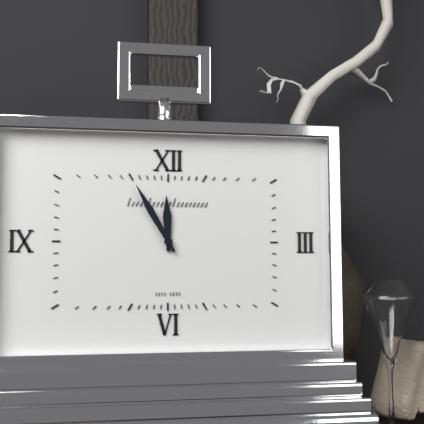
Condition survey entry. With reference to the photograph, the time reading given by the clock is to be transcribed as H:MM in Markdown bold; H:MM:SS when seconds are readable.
**11:55**
